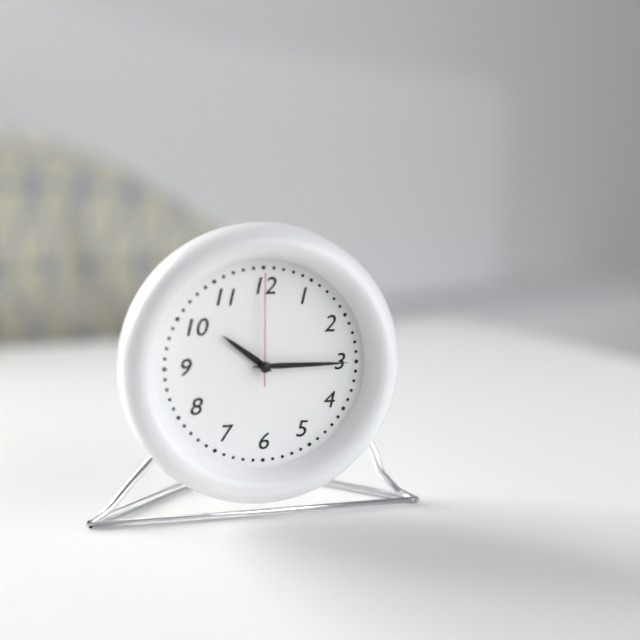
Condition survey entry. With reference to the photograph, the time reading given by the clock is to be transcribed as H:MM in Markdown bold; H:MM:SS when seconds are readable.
**10:15:00**
